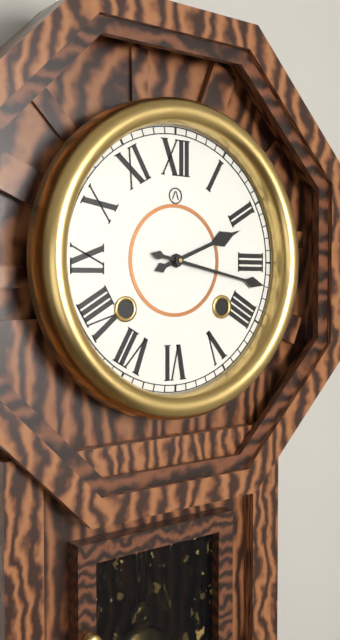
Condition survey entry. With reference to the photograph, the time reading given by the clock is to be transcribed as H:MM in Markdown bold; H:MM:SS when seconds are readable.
**2:17**
